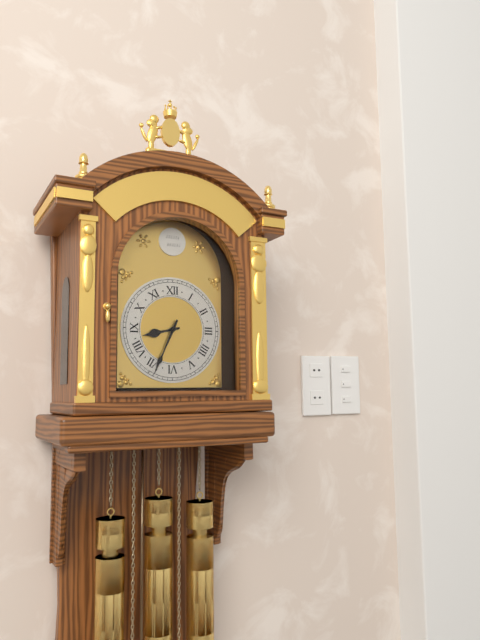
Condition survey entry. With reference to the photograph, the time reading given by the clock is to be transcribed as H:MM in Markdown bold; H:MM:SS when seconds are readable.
**8:34**
